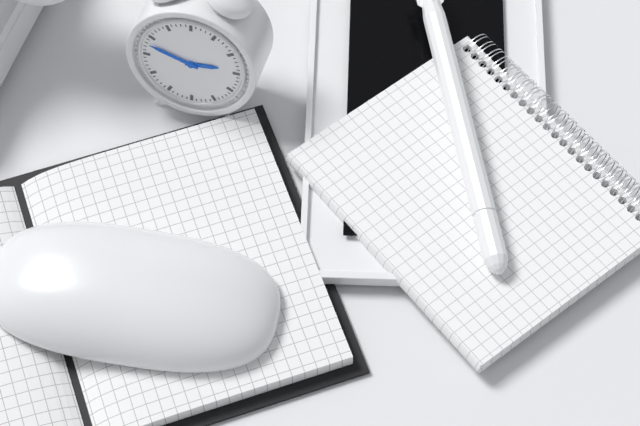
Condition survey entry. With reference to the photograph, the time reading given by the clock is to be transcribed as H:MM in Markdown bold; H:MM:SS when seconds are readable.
**2:48**
